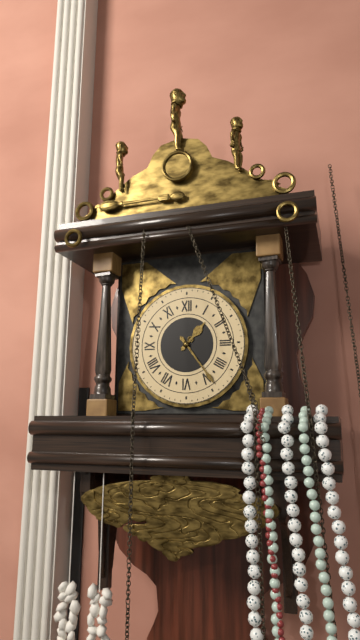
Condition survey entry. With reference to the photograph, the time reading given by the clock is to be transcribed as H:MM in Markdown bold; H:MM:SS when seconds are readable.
**1:24**
